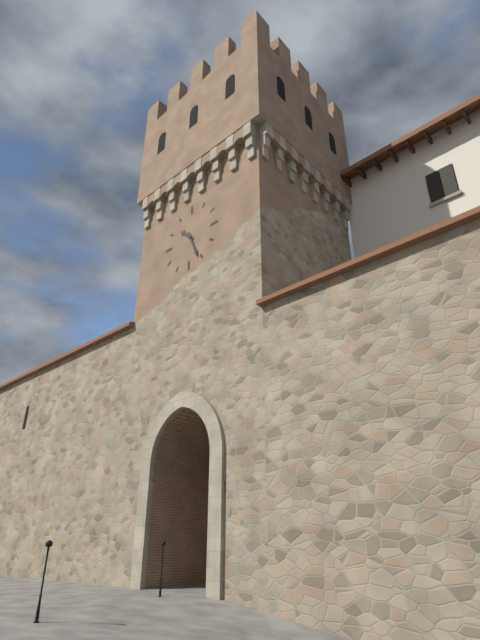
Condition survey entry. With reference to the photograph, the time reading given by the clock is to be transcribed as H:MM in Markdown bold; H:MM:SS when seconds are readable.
**10:26**
